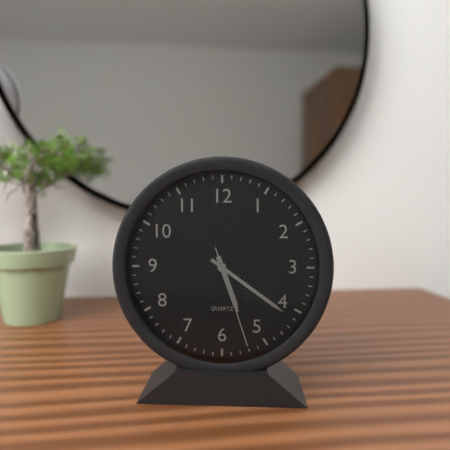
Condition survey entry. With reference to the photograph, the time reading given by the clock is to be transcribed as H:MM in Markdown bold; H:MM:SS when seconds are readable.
**5:21:27**
